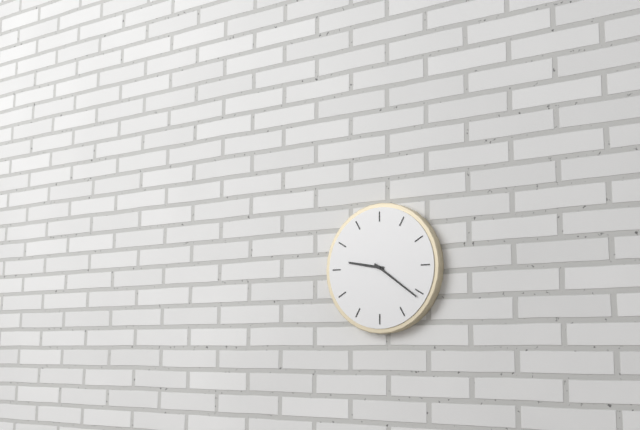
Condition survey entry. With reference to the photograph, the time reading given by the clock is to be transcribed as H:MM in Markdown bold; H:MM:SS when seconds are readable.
**9:21**
